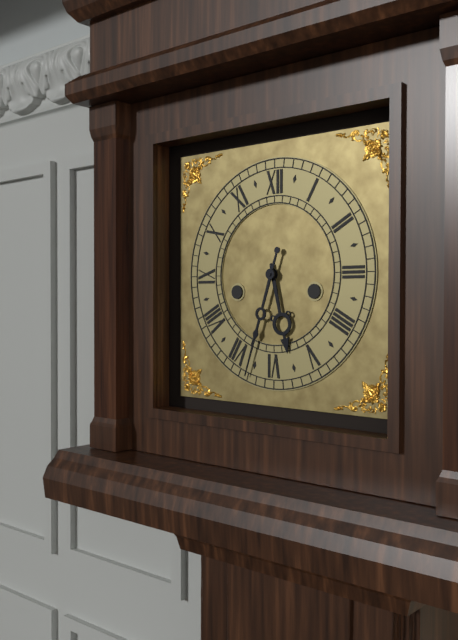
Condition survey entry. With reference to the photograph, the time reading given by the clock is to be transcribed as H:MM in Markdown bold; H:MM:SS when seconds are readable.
**5:33**
